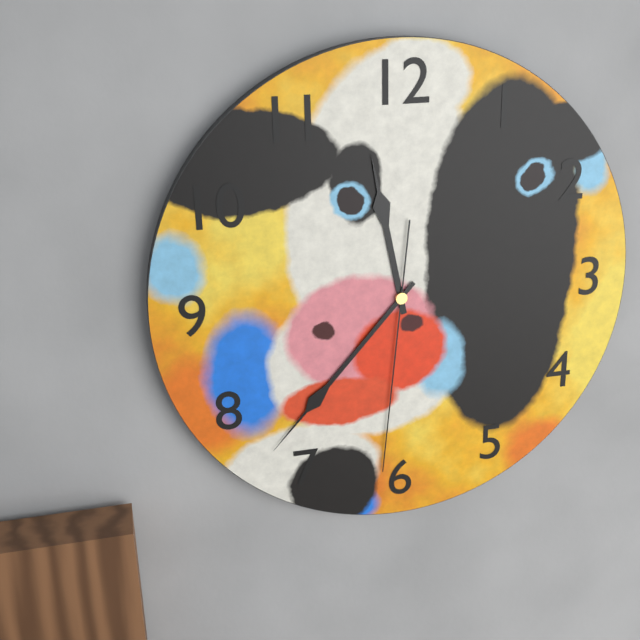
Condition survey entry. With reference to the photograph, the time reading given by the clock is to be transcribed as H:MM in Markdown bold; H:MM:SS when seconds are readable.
**11:37:31**
